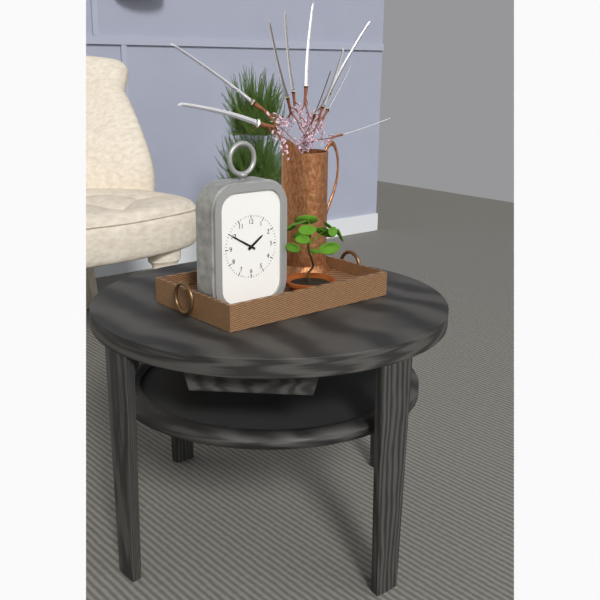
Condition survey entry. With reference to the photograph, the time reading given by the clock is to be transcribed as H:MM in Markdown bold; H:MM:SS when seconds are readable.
**1:50**
